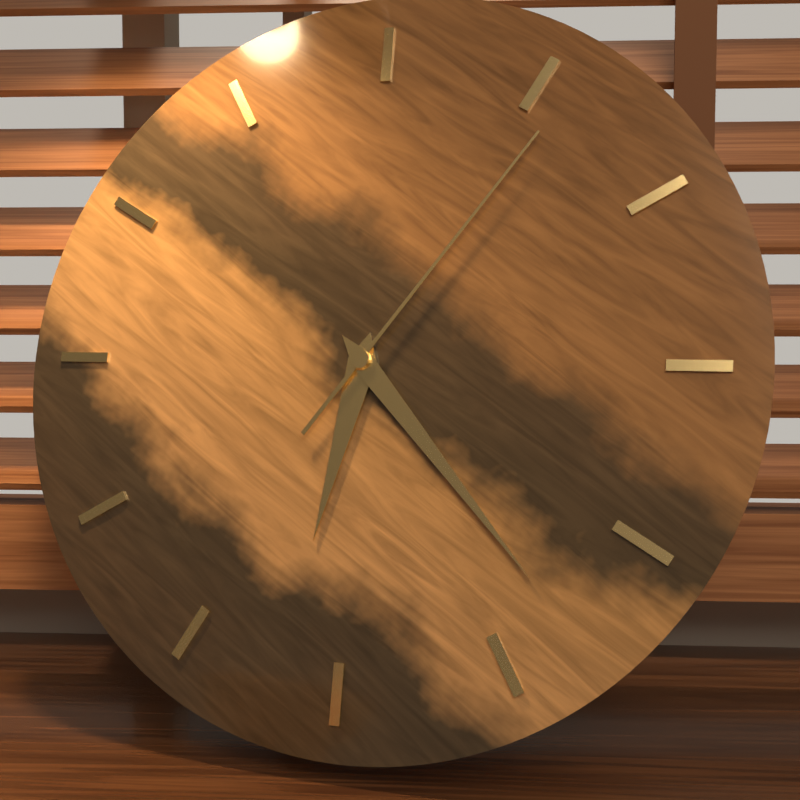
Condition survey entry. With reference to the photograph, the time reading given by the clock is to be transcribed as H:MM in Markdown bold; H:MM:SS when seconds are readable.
**6:23:06**
